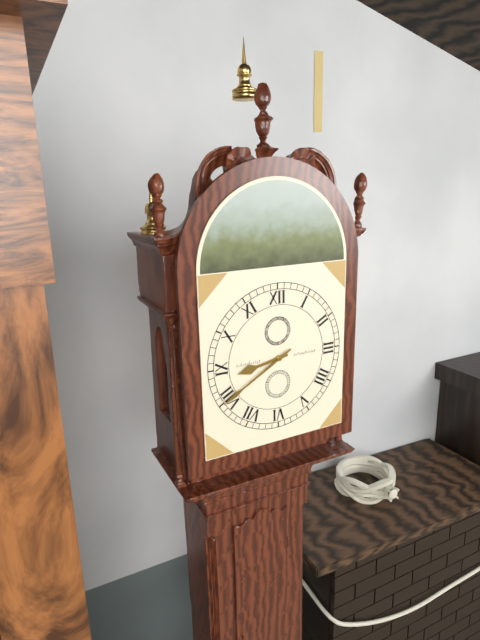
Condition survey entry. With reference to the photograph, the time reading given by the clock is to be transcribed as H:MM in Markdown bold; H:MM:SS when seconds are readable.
**8:40**
